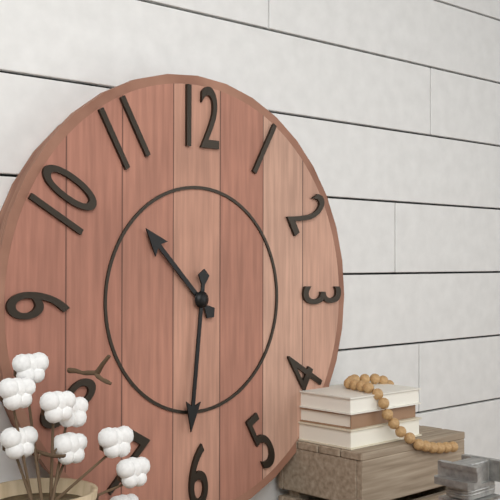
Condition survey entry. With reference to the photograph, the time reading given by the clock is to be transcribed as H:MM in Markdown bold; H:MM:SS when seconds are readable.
**10:31**
